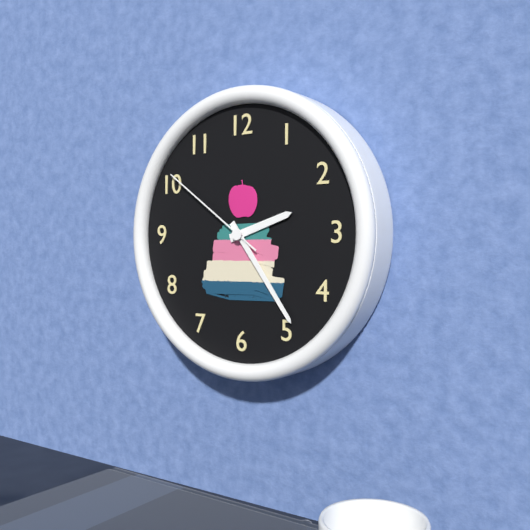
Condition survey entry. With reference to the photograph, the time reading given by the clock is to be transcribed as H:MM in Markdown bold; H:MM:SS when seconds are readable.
**2:24:51**
